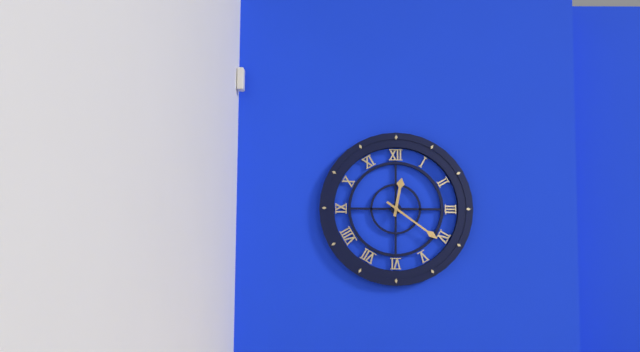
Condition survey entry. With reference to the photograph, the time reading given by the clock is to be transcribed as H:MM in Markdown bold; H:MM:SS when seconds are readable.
**12:21**
